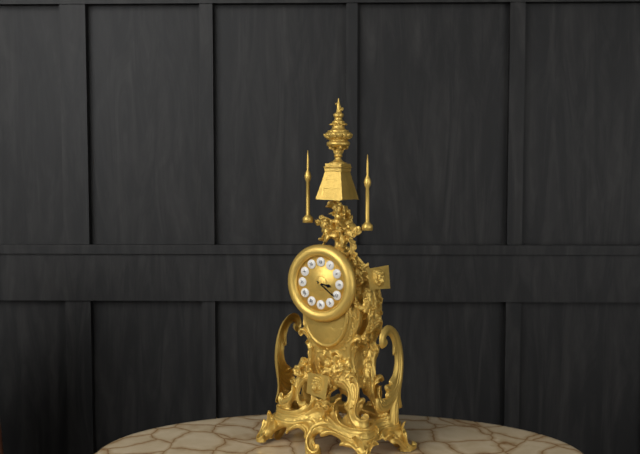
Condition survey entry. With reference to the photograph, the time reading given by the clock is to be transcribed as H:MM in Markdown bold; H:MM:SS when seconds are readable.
**3:21**
